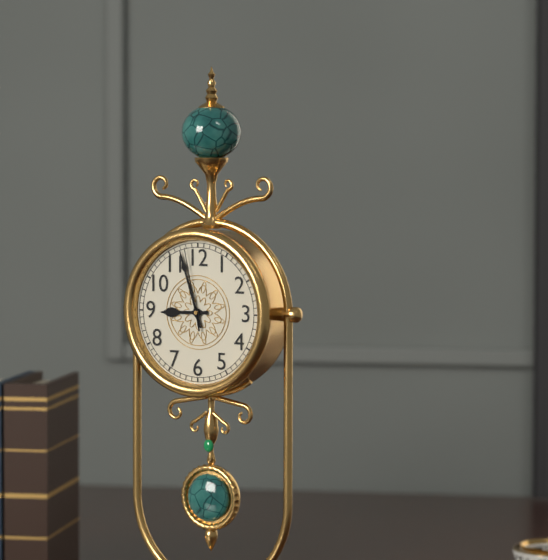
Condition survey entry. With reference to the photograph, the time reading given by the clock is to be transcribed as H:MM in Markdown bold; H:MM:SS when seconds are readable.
**8:57:58**
